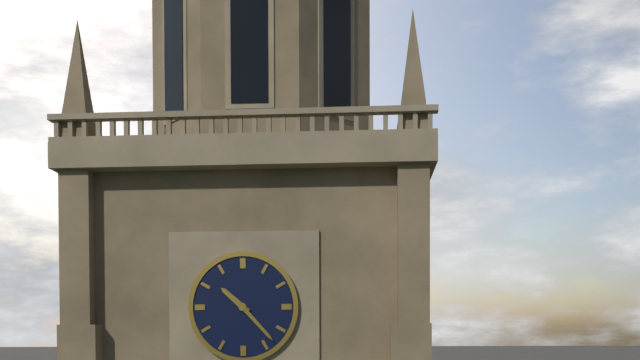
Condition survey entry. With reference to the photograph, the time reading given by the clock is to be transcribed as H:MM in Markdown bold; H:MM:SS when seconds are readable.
**10:23**
